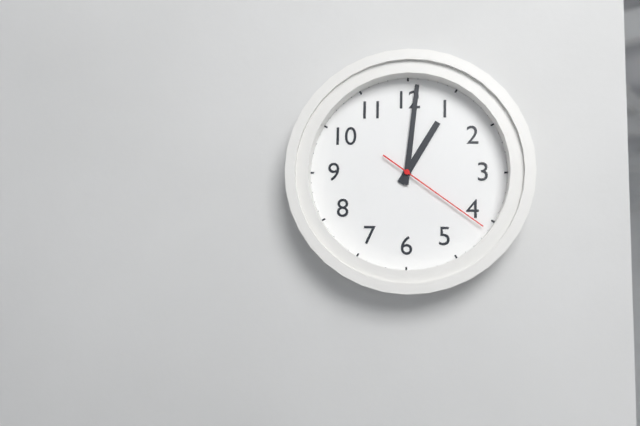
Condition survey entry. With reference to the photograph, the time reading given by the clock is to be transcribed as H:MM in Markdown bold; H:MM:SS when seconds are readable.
**1:01:21**
